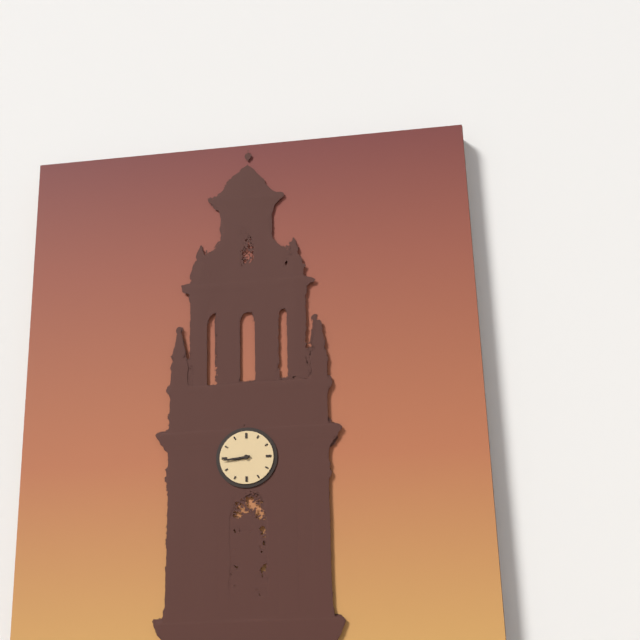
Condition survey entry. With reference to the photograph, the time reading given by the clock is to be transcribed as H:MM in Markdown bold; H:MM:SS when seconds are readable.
**8:44**
